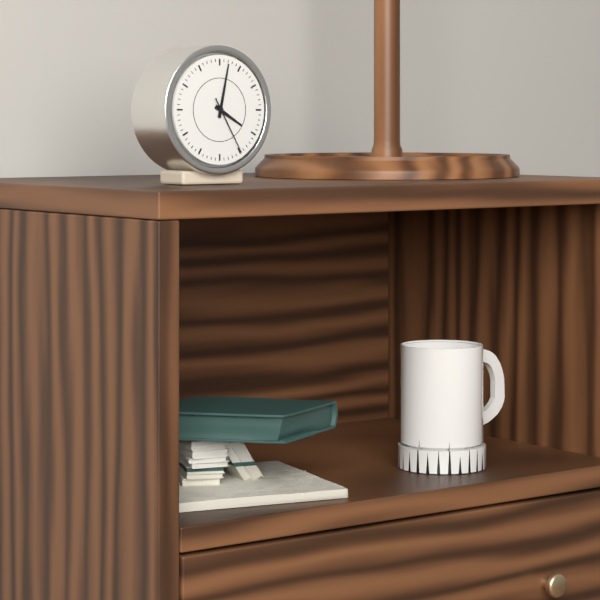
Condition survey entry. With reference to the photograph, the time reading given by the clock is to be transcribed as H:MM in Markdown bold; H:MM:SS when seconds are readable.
**4:02:25**
